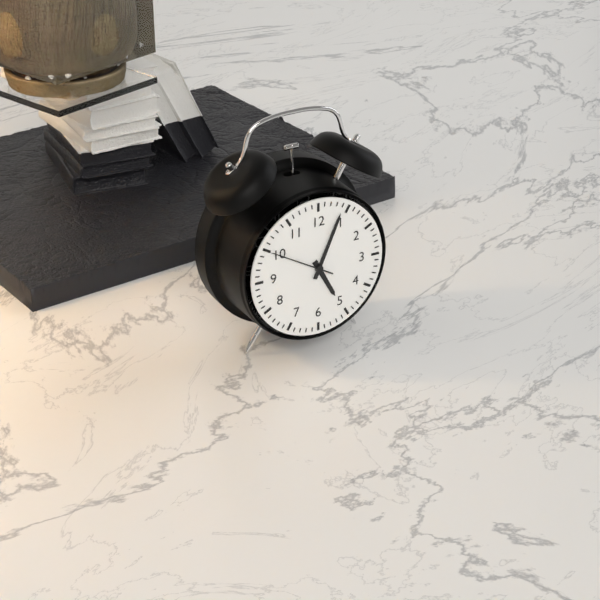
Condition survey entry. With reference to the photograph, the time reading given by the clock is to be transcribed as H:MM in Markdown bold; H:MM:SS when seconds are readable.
**5:04:50**
